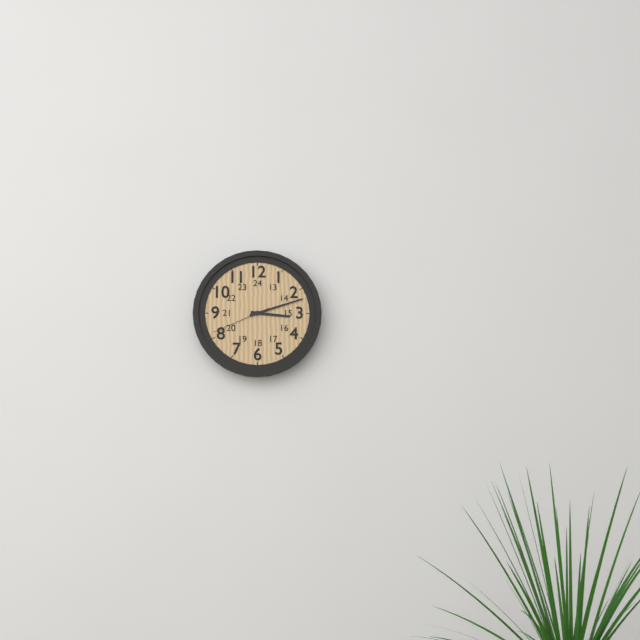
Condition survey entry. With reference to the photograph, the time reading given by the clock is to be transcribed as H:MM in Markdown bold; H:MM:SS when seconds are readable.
**3:12:41**
